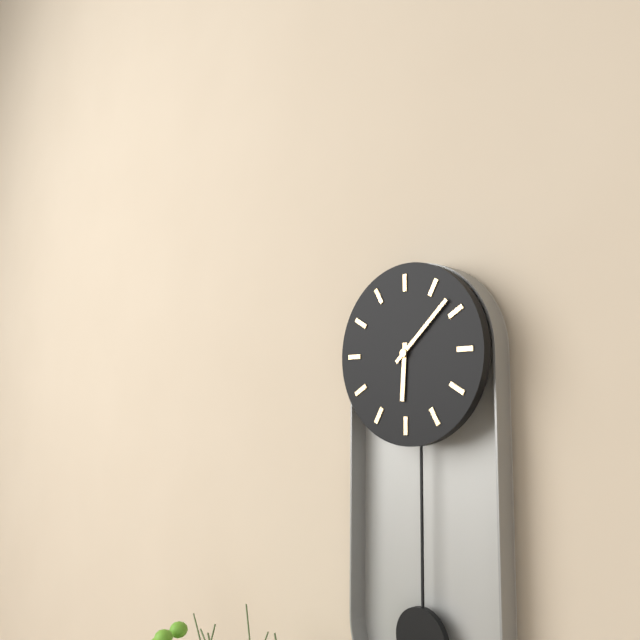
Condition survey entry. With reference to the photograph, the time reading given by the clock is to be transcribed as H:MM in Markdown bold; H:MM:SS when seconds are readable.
**6:08**
